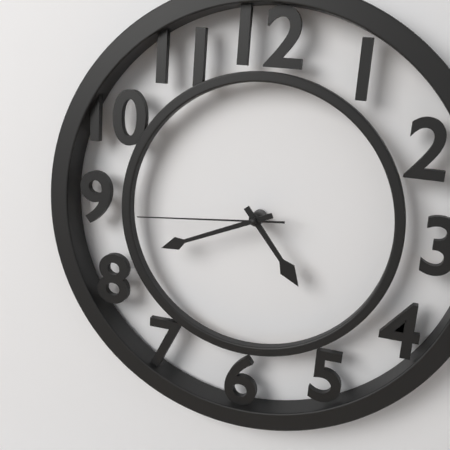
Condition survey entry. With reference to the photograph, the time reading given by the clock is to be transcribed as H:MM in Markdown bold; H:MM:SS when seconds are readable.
**4:41:44**
